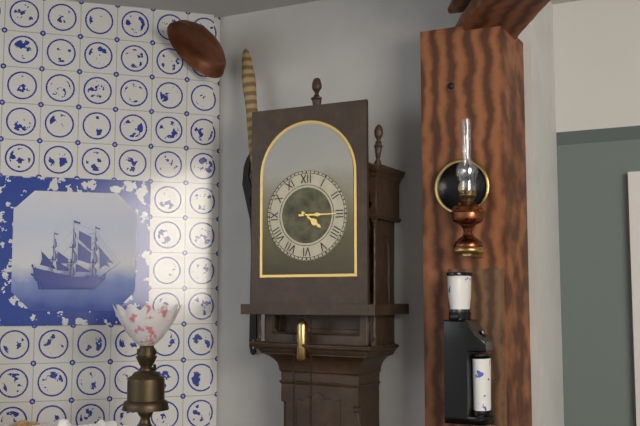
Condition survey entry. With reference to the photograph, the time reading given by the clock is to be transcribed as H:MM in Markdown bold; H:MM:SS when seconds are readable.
**4:15**
